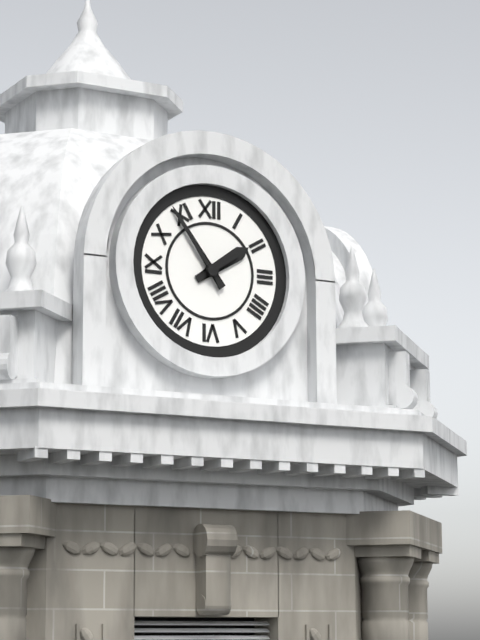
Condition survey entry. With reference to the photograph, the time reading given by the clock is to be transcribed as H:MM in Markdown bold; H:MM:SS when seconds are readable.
**1:54**
